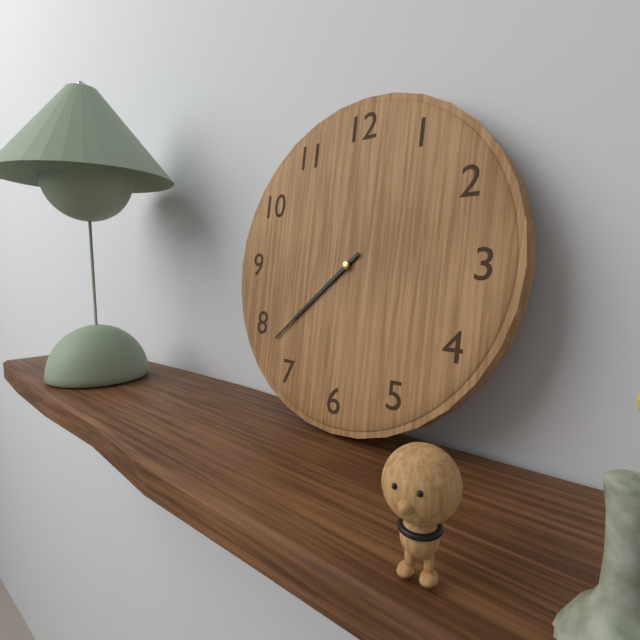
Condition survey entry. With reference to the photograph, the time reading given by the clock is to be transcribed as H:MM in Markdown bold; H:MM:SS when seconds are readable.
**7:38**
